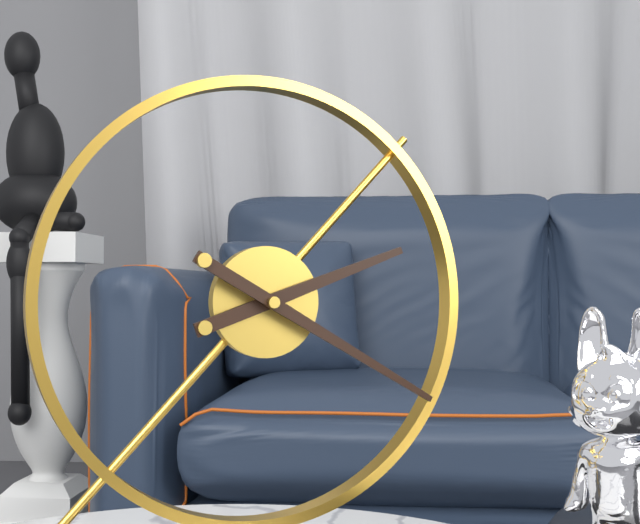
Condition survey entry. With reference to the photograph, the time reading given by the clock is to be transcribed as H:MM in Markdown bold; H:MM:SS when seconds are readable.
**2:20**
